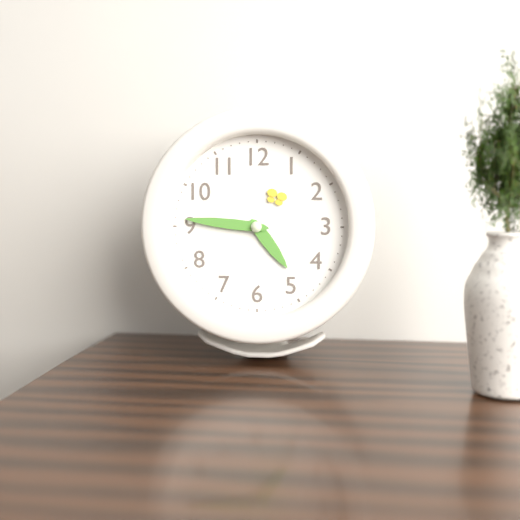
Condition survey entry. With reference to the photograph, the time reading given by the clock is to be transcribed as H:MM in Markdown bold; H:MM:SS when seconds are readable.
**4:46**
